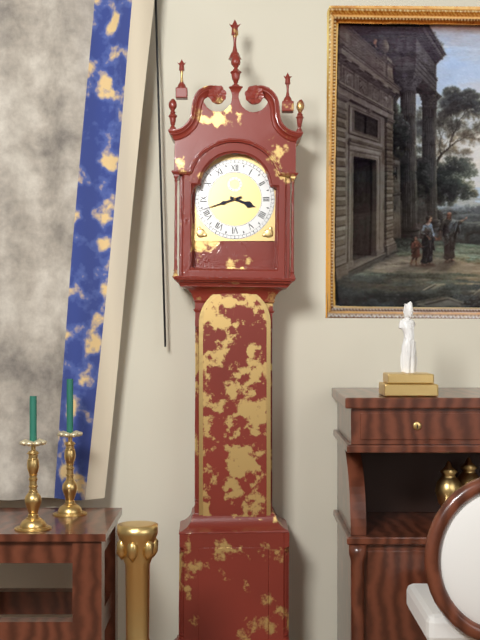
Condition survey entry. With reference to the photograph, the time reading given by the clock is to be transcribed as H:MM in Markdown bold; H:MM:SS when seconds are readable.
**3:42**
